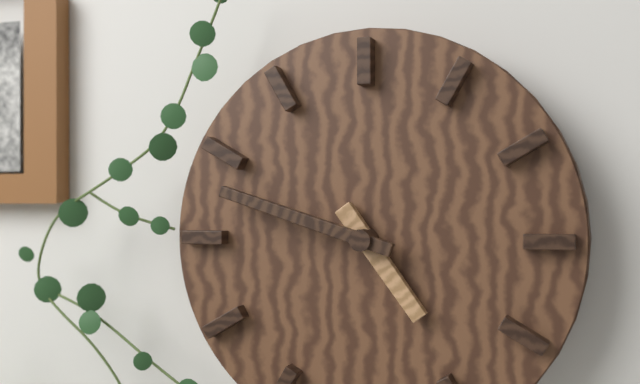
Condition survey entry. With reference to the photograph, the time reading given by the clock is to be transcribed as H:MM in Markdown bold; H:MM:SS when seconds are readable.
**4:48**
